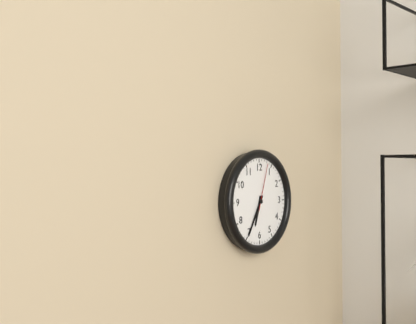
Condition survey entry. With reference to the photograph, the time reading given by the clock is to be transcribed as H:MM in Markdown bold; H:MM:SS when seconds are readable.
**6:35**
